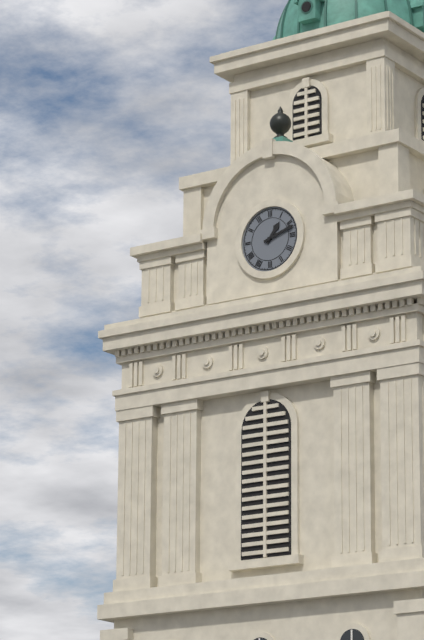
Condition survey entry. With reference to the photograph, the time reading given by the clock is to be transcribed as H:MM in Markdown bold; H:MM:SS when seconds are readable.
**1:12**
